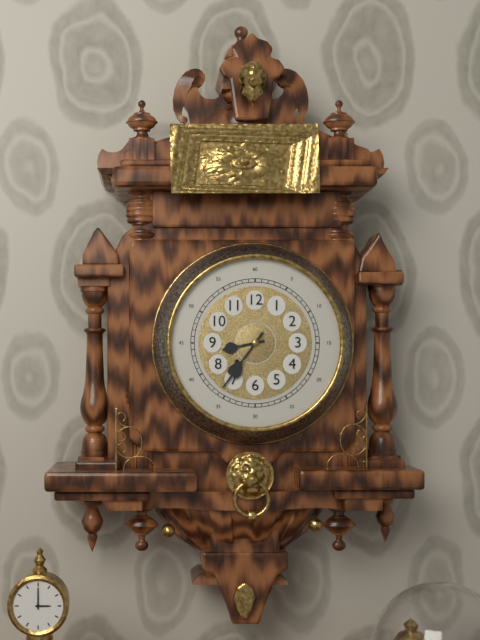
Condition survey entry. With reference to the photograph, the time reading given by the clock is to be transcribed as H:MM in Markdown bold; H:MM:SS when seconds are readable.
**8:36**
